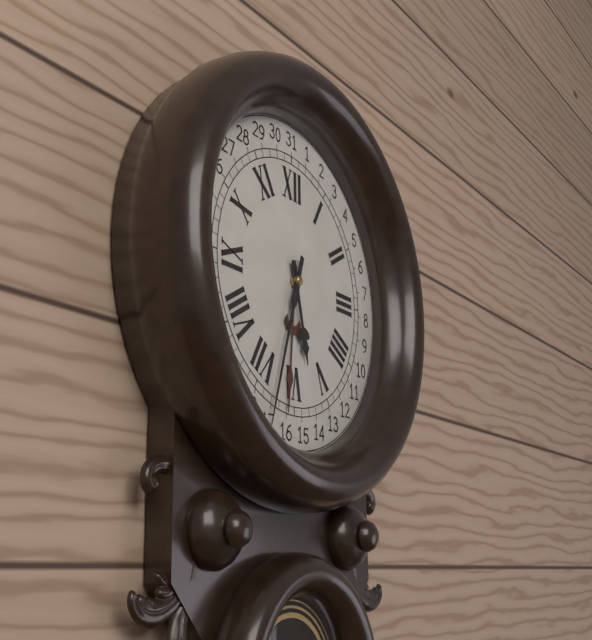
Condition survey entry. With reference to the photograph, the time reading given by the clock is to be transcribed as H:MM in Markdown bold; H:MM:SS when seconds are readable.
**5:33**
